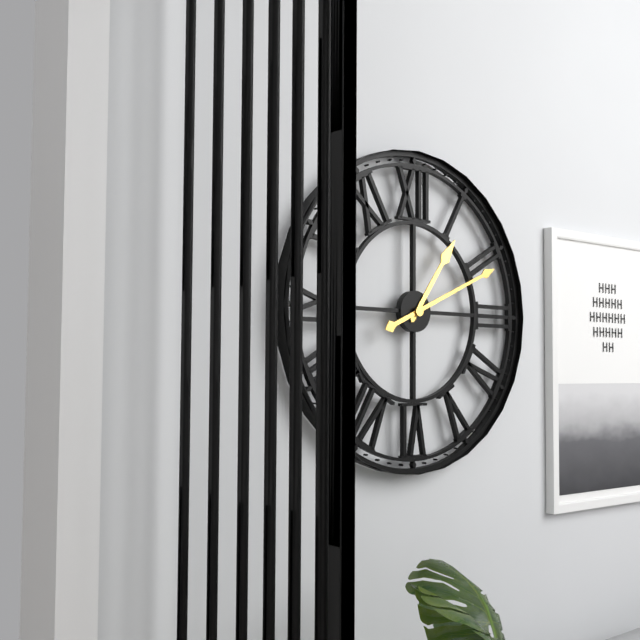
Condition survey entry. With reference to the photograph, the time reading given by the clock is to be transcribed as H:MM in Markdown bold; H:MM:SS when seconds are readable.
**1:11**
